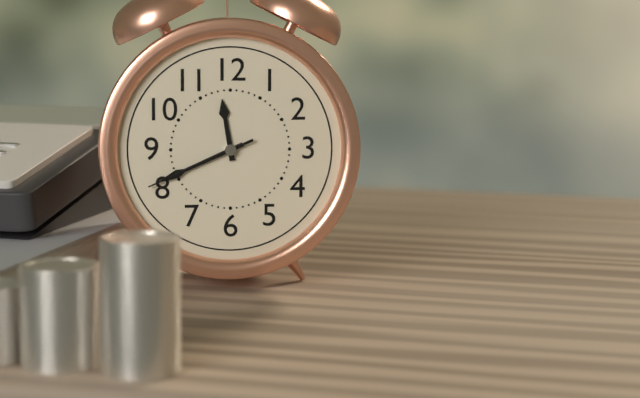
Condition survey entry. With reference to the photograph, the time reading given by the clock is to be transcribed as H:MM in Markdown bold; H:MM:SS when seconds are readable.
**11:41:41**
